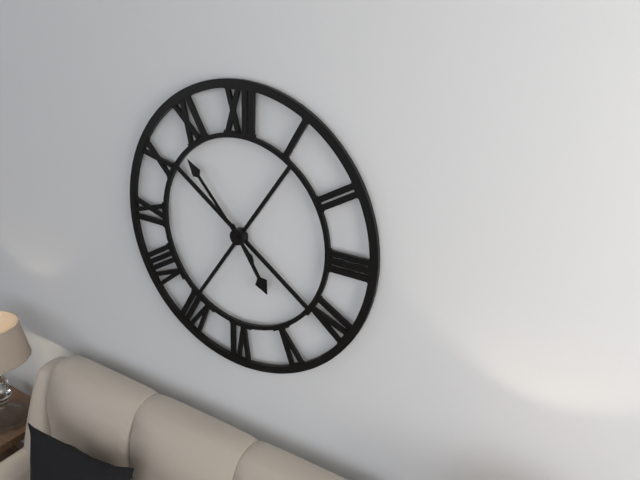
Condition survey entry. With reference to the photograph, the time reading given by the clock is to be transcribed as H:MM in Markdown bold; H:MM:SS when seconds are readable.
**4:53**
